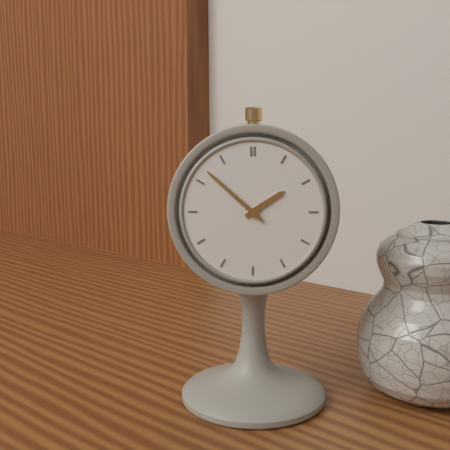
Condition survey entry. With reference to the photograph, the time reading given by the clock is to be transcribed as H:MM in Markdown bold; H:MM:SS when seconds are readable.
**1:52**
